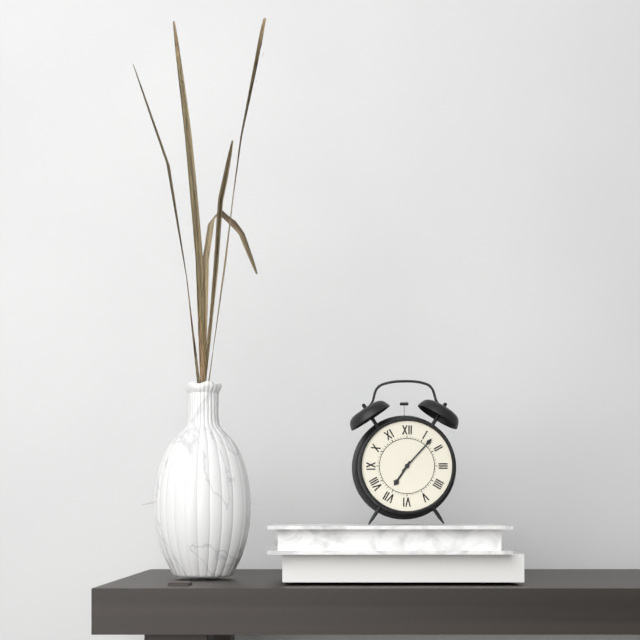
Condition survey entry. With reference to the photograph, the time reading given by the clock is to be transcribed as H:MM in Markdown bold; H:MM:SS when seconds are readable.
**7:07**
